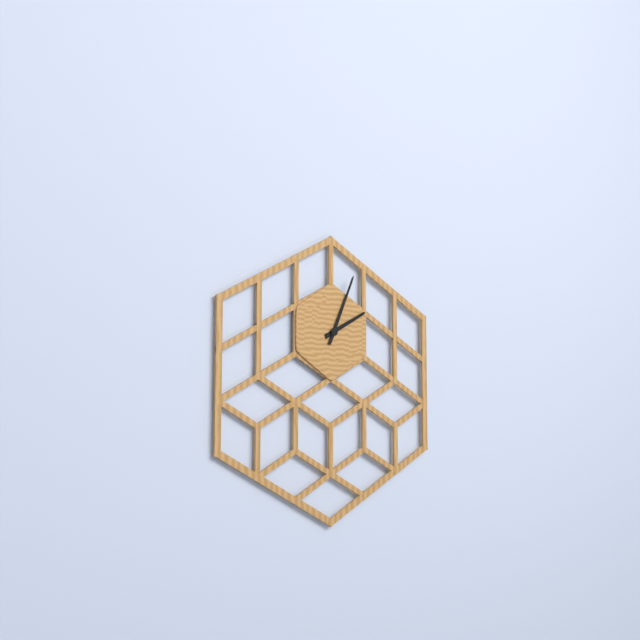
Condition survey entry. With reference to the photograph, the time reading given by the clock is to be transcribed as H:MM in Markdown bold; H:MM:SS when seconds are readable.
**2:04**
